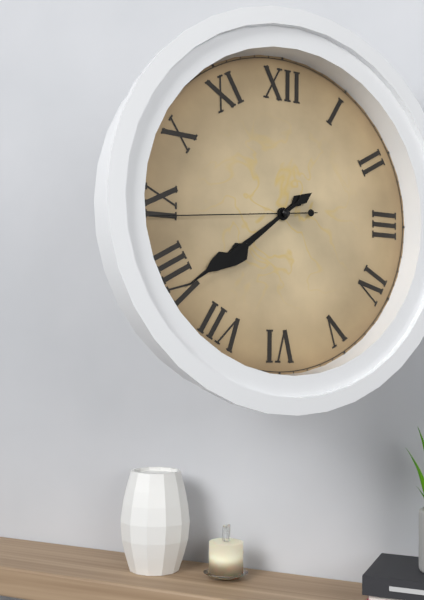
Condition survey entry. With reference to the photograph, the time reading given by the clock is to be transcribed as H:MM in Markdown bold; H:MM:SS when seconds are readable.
**7:39:44**
